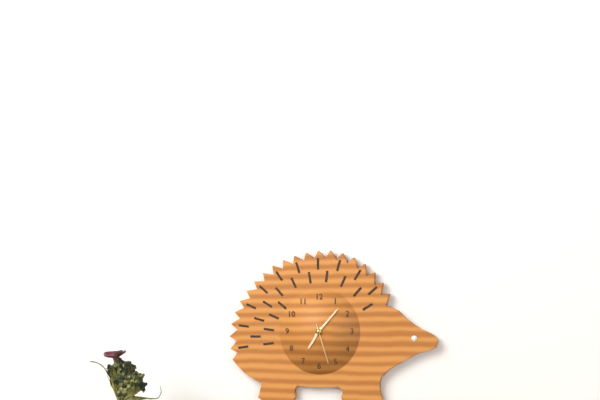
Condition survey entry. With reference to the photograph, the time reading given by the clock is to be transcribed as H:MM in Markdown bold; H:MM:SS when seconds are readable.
**7:07**
